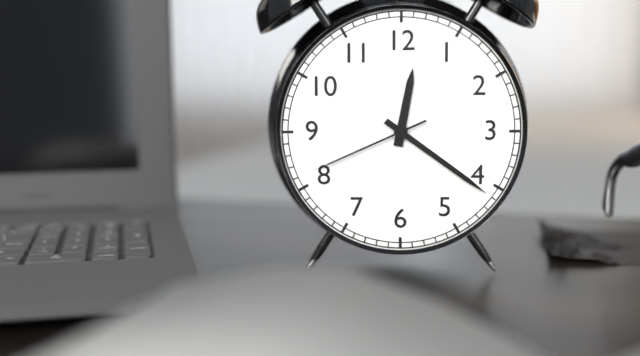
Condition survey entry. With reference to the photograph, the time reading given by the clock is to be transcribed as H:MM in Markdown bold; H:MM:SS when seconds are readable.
**12:21:41**
